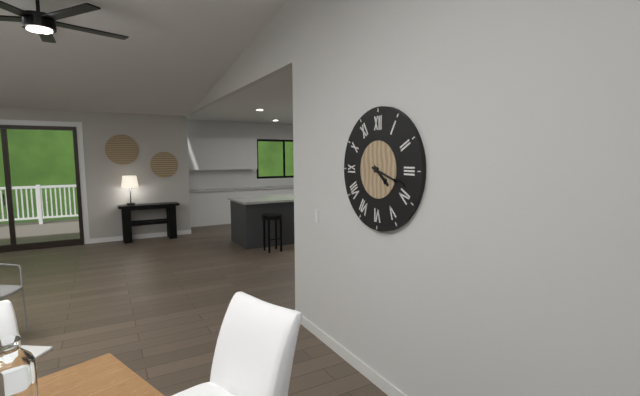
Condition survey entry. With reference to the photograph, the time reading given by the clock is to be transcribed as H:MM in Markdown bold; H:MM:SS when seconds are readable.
**4:18**
